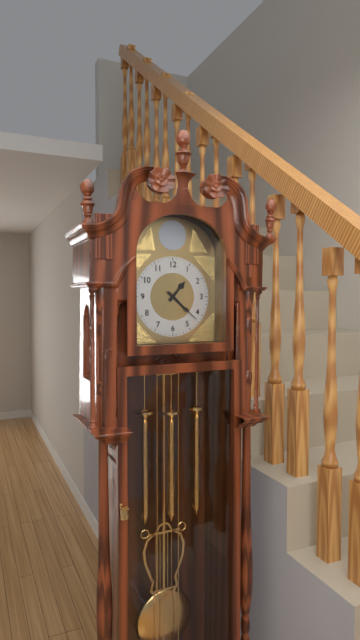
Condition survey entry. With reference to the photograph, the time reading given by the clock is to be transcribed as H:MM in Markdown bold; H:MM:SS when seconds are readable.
**1:22**
